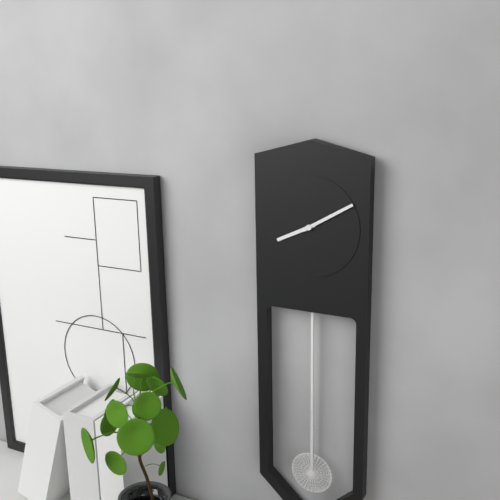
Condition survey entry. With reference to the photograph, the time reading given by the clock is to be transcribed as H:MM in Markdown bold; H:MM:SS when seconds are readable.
**8:10**
